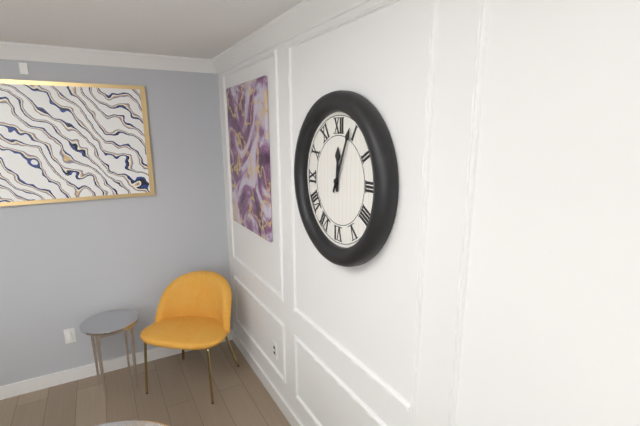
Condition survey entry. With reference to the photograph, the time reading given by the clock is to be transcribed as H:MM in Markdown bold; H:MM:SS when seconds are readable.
**12:04**
